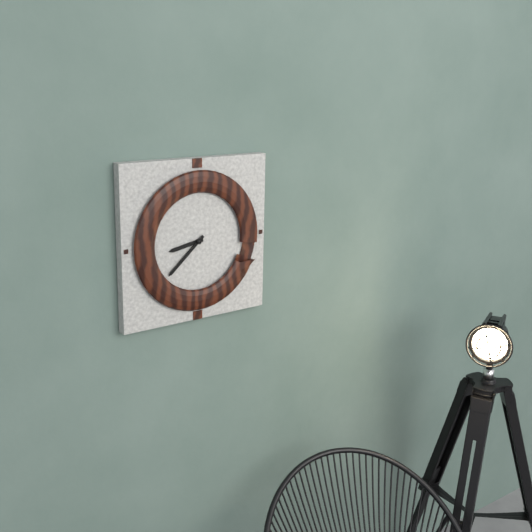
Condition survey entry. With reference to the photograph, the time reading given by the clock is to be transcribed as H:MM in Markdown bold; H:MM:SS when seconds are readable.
**8:38**
